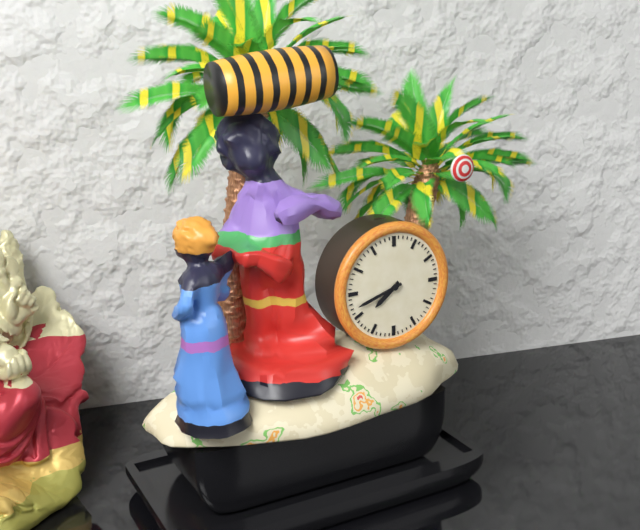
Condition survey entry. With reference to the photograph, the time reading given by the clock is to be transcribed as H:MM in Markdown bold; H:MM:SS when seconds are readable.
**7:42**
